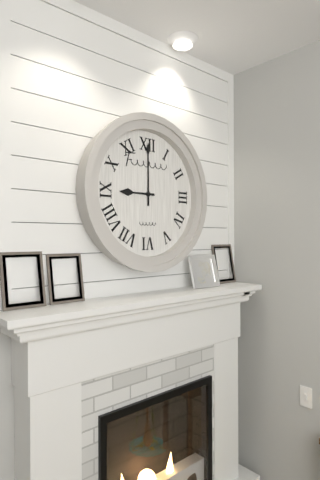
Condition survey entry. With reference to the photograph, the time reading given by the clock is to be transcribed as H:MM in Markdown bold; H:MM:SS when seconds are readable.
**9:00**
